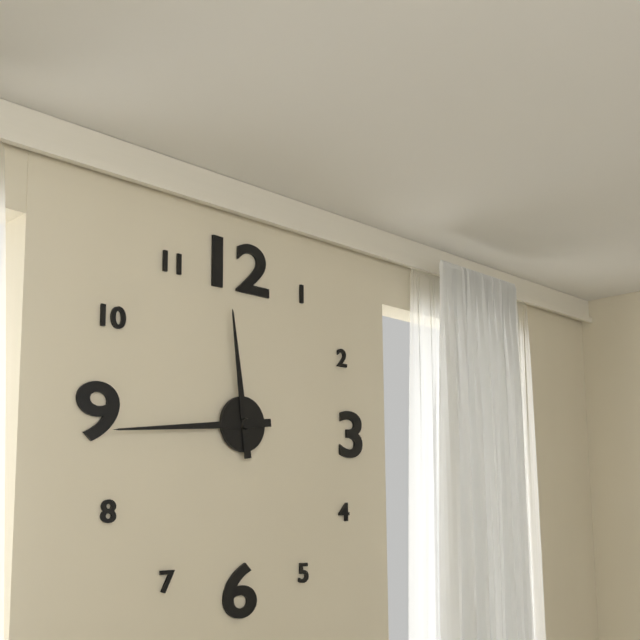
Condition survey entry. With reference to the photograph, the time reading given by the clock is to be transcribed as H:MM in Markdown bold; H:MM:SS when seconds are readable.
**11:44**
